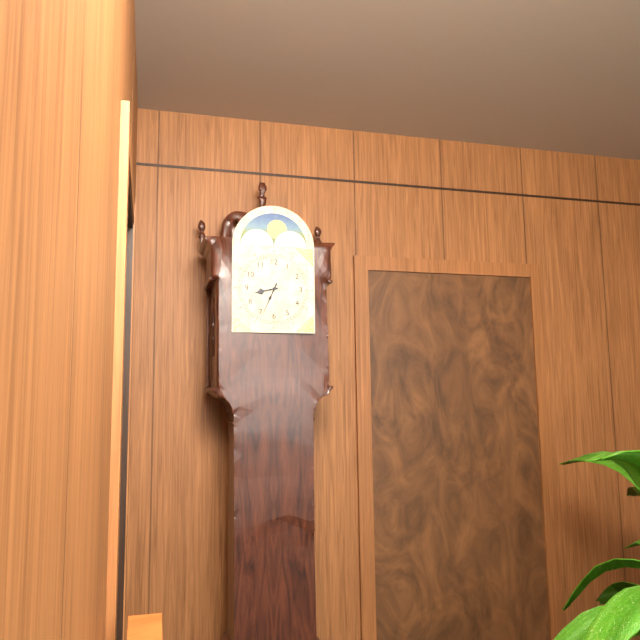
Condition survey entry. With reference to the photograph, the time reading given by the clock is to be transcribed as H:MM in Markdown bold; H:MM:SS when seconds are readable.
**8:34**
